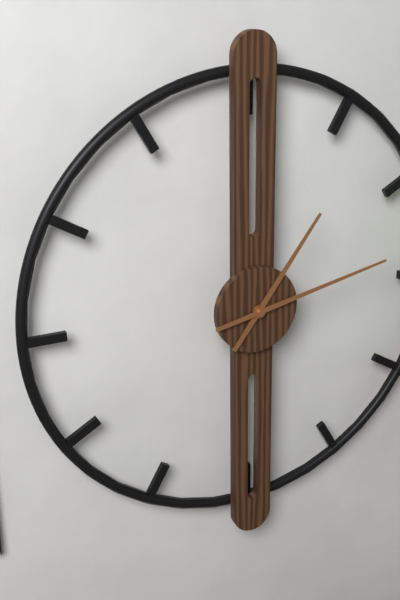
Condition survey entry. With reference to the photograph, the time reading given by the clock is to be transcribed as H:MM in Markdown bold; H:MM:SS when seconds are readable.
**1:13**
